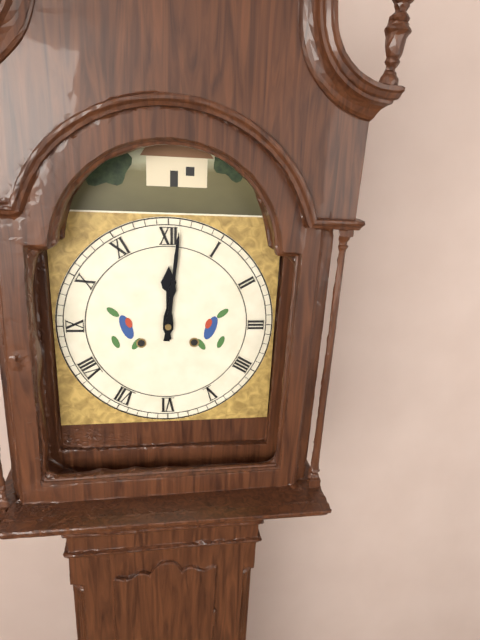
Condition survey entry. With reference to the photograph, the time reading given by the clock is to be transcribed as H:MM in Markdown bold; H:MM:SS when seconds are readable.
**12:01**
